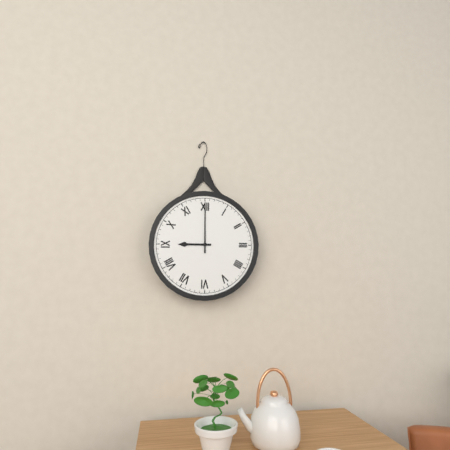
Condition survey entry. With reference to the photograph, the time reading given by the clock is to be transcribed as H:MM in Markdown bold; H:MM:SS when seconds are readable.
**9:00**
